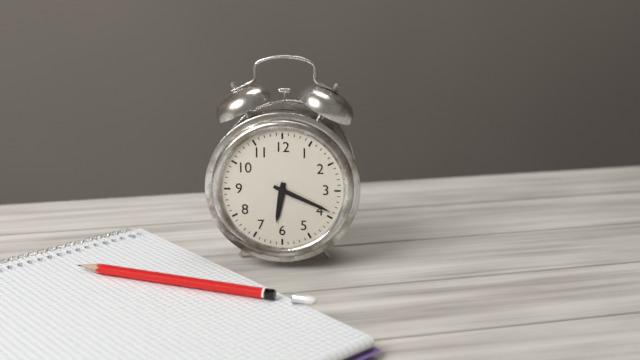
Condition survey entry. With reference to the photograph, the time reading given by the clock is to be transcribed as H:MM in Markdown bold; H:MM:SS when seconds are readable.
**6:19**
